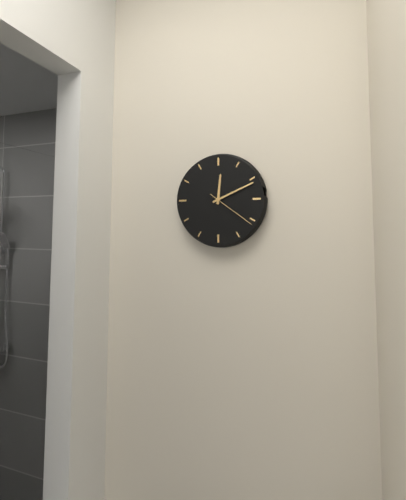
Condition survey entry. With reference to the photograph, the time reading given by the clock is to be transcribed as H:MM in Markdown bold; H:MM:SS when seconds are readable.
**12:11:21**
